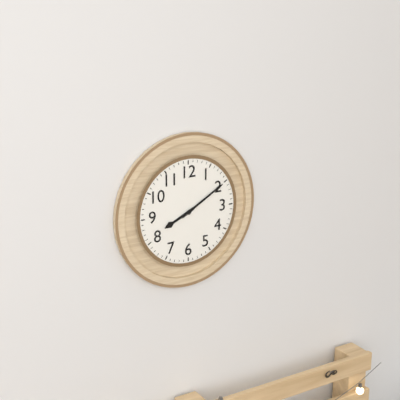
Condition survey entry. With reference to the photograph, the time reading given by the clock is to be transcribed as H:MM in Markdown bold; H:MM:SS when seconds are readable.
**8:10**
